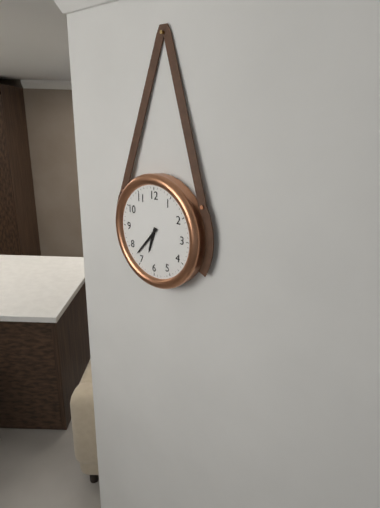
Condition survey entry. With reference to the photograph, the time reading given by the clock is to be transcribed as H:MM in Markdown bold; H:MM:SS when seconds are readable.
**6:37**
